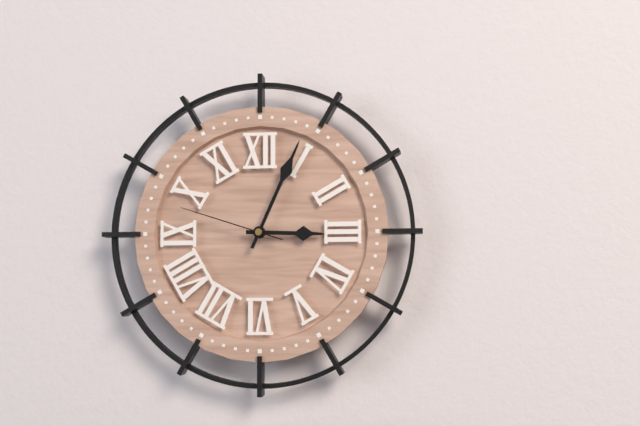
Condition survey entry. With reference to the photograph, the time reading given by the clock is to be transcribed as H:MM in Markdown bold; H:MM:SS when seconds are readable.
**3:04:48**
